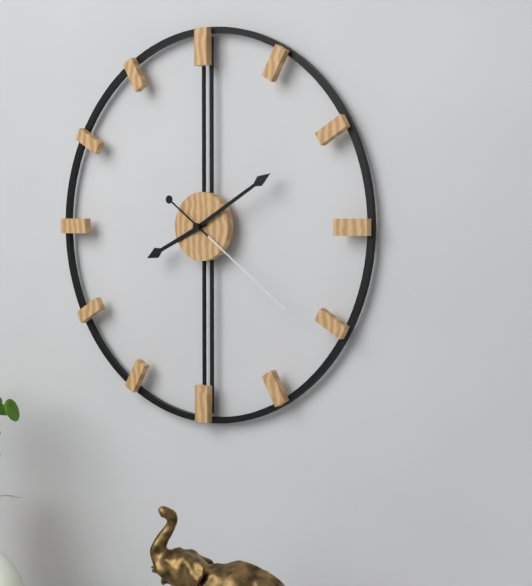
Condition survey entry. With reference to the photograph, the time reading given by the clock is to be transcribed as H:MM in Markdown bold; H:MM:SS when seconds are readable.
**8:10:21**
